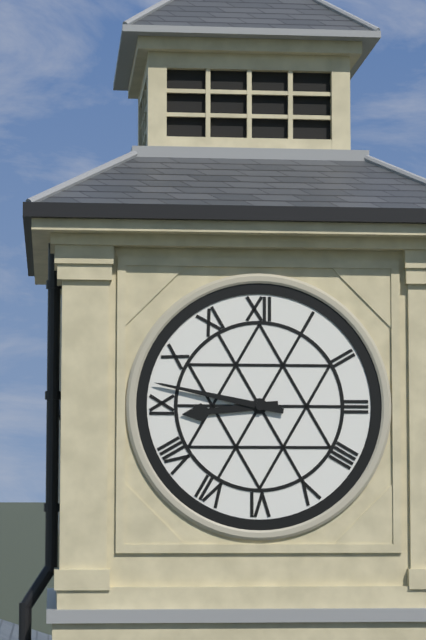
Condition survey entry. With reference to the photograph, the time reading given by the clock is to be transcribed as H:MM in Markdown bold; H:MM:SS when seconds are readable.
**8:47**
